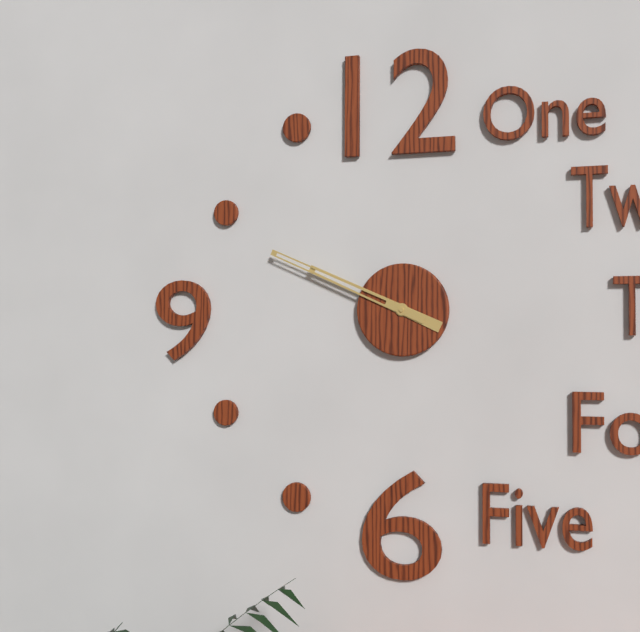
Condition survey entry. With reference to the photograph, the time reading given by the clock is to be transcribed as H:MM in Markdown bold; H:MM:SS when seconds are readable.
**9:49**
